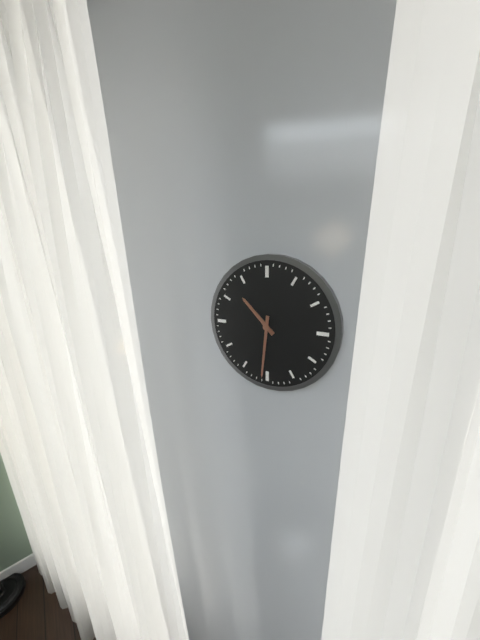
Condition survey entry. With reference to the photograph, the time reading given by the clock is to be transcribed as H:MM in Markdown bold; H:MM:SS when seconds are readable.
**10:31**
